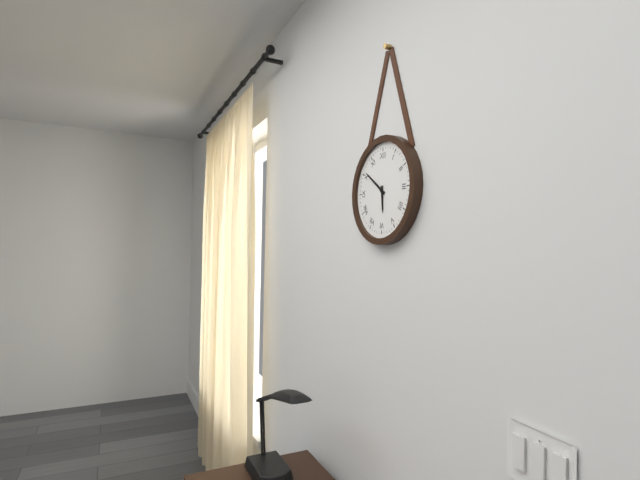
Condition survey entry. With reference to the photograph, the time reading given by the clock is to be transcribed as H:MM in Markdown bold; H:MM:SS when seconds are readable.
**5:51**
